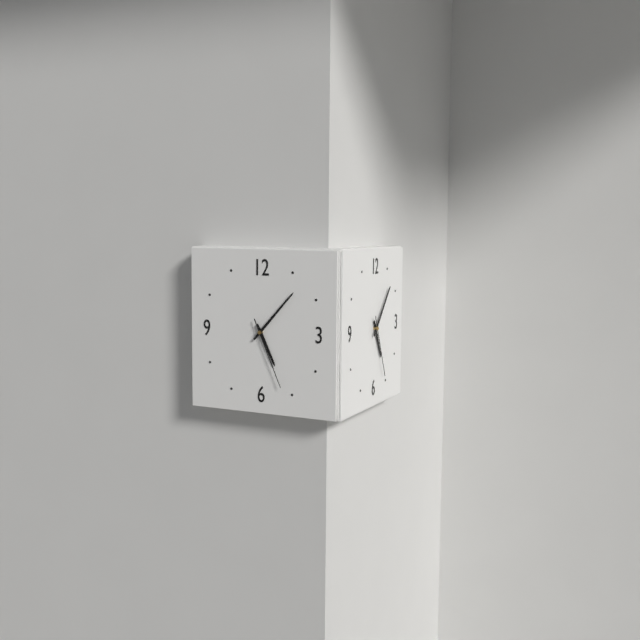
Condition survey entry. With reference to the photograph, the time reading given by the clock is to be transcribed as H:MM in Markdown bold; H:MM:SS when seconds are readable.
**5:07:26**
